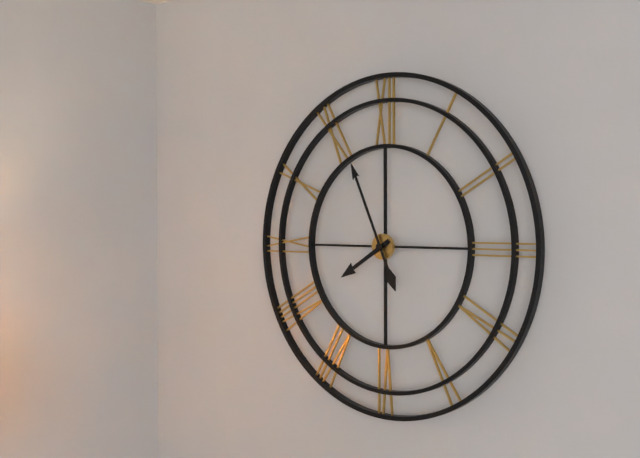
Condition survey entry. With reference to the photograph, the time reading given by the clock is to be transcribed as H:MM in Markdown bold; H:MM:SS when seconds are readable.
**7:56**
